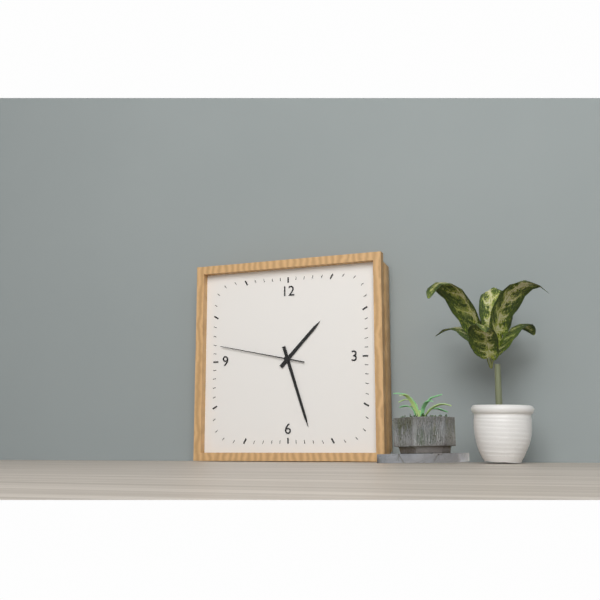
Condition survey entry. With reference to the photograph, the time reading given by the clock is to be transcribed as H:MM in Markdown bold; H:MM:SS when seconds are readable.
**1:27:47**
